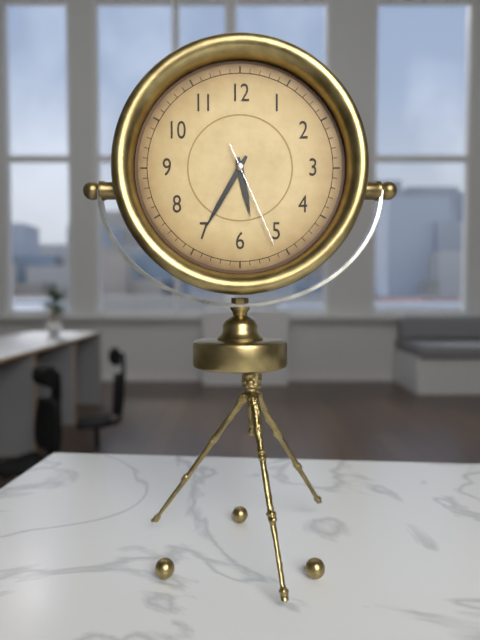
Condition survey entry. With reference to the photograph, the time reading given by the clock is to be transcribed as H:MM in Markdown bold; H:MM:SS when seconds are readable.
**5:35:26**
